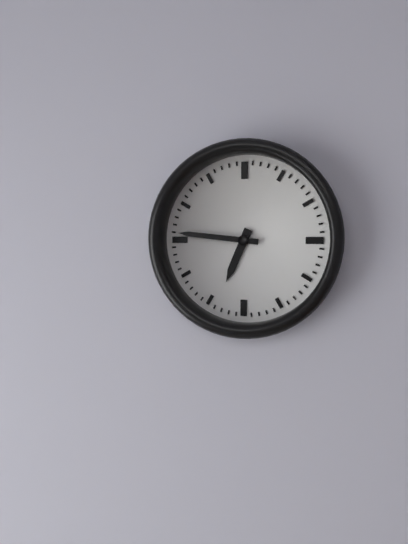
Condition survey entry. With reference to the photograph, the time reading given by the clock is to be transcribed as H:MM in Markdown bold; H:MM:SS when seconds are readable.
**6:46**
